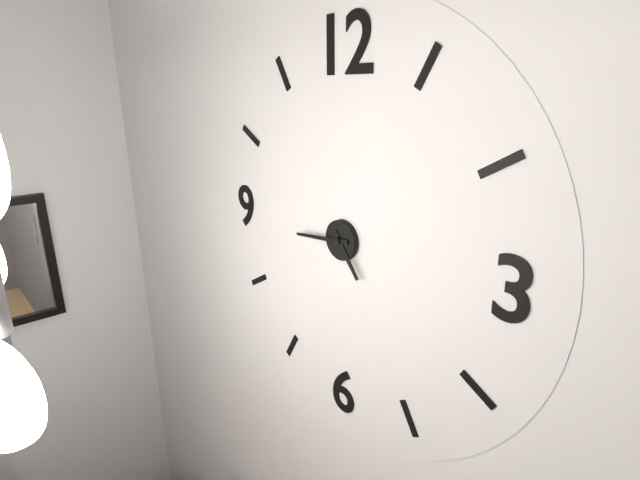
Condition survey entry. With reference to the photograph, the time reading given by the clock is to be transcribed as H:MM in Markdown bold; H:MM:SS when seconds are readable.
**4:44**
